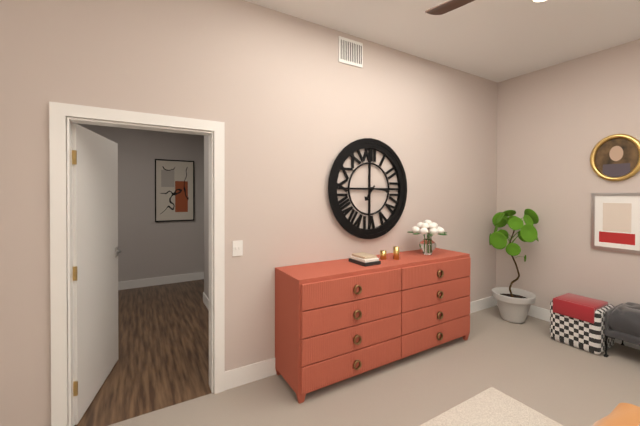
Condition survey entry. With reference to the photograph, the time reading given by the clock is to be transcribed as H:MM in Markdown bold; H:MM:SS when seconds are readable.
**7:16**
